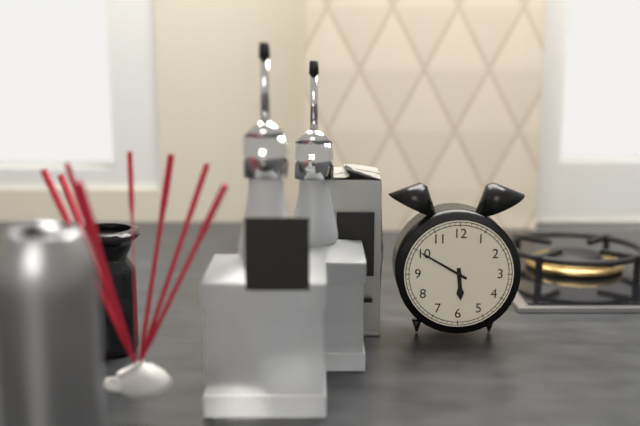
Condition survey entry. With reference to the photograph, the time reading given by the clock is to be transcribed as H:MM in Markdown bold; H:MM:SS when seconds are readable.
**5:50**
